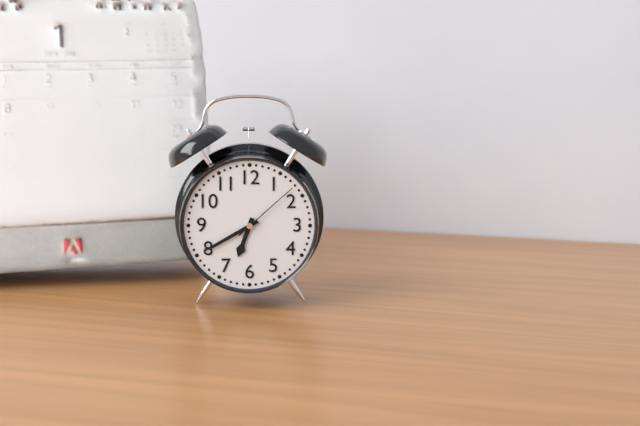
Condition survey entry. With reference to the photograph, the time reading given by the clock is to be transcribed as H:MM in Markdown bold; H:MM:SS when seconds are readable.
**6:40:08**
